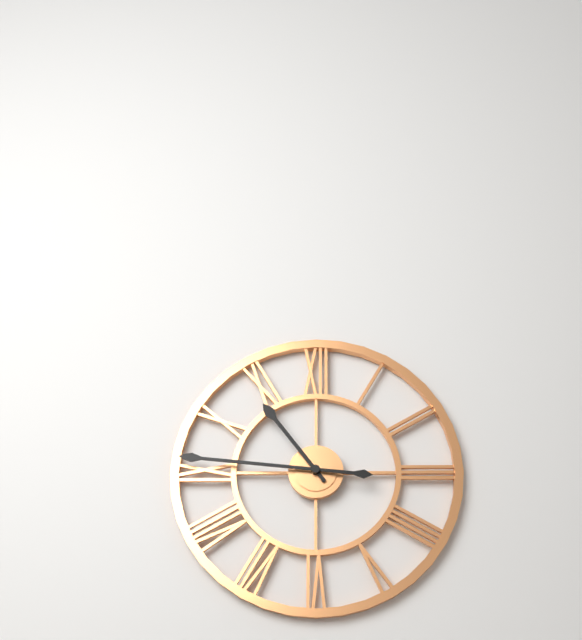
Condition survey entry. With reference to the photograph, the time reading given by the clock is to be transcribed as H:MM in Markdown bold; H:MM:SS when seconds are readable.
**10:46**
